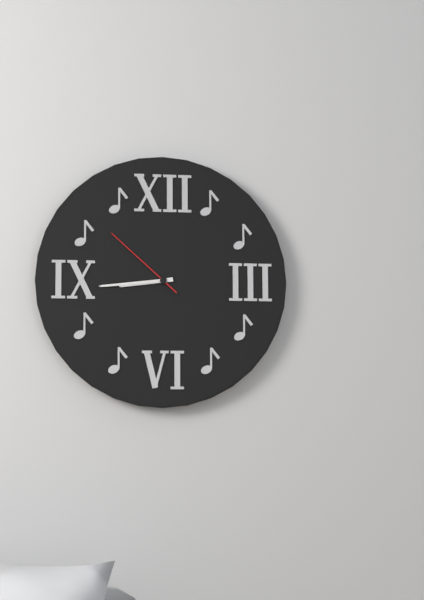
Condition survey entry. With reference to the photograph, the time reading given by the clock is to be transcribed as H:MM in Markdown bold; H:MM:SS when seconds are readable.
**8:44:52**
